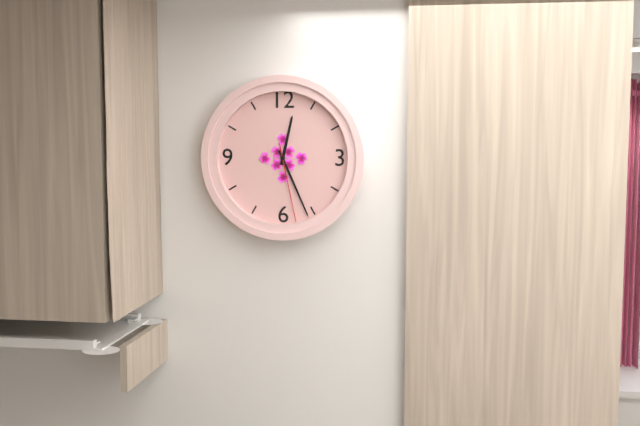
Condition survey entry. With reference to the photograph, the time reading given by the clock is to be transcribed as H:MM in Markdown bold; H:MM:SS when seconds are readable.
**12:26:28**
